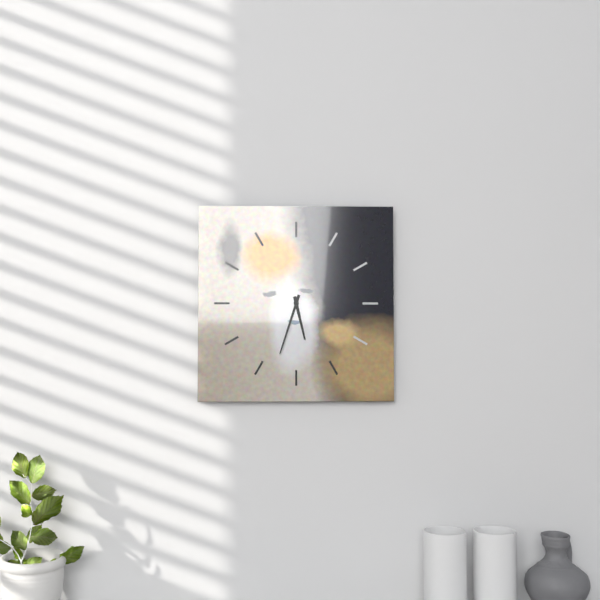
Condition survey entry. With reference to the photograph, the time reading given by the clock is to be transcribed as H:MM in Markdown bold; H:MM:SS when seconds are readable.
**5:33**
